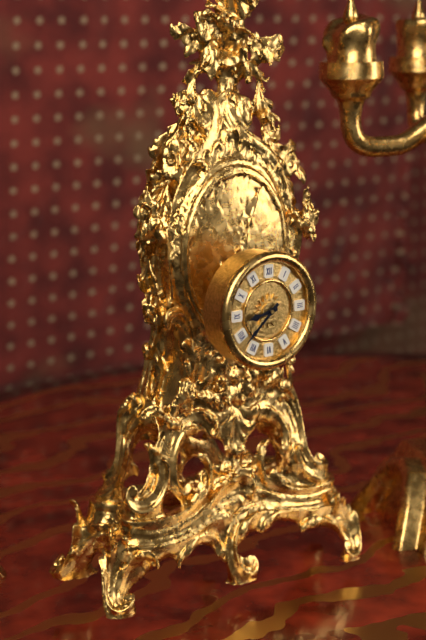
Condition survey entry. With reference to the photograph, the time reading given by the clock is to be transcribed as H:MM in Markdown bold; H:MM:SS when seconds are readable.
**8:38**
